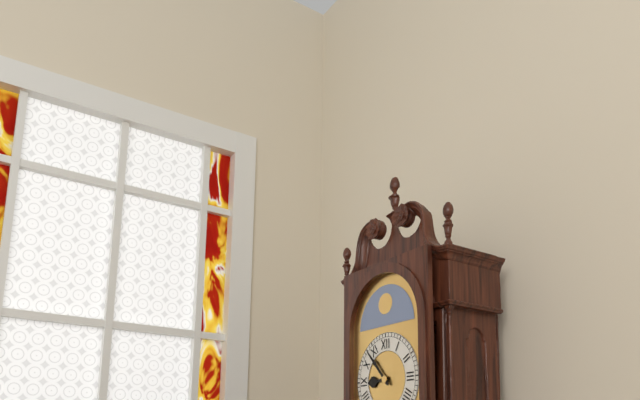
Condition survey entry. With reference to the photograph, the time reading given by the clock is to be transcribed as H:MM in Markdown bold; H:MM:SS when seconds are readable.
**8:53**
